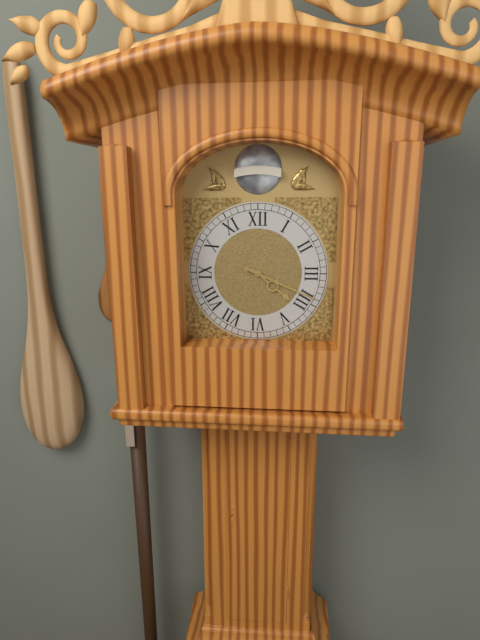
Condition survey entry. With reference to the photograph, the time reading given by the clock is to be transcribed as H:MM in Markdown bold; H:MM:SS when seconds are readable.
**4:19**
